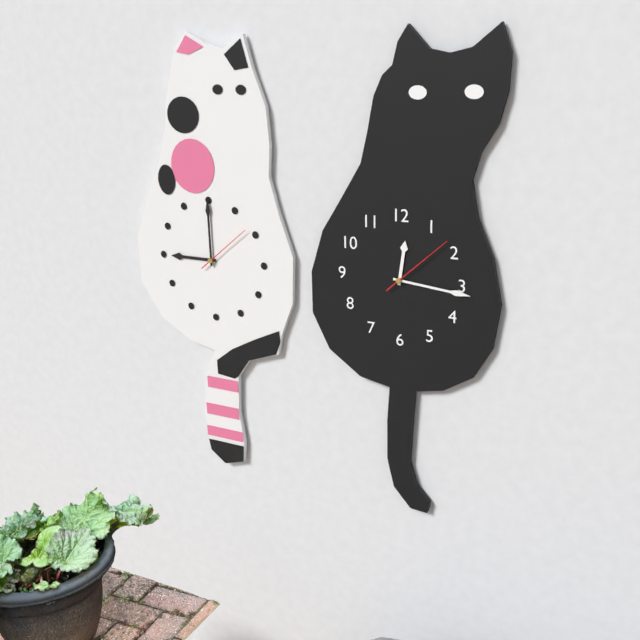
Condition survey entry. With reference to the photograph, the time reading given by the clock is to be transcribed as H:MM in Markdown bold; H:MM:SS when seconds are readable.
**12:16:08**
